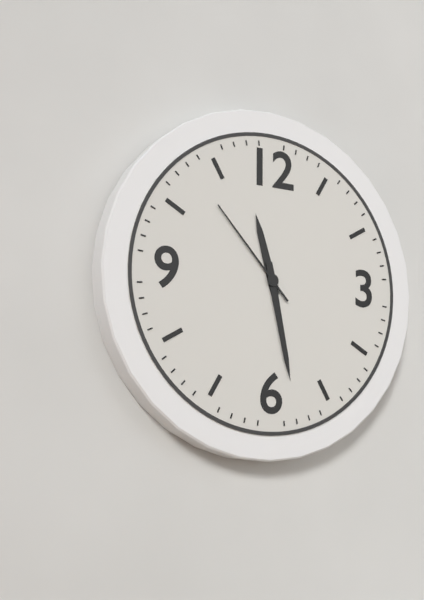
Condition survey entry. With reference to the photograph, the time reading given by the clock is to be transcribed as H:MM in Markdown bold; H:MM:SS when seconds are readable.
**11:28:53**
